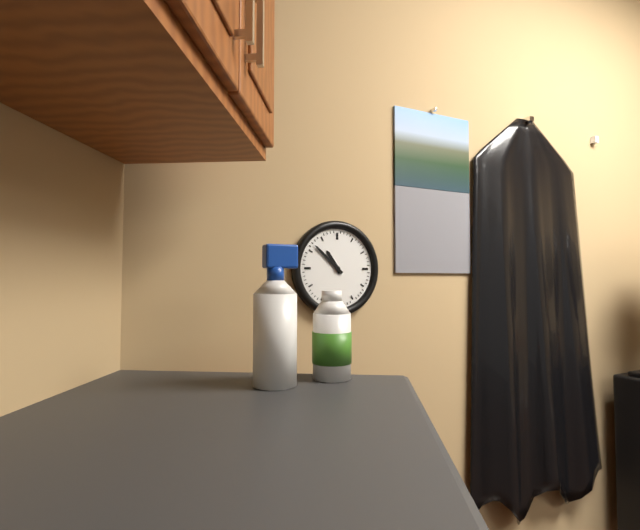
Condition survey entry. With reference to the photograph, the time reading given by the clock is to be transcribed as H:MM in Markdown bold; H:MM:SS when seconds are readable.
**10:52**
